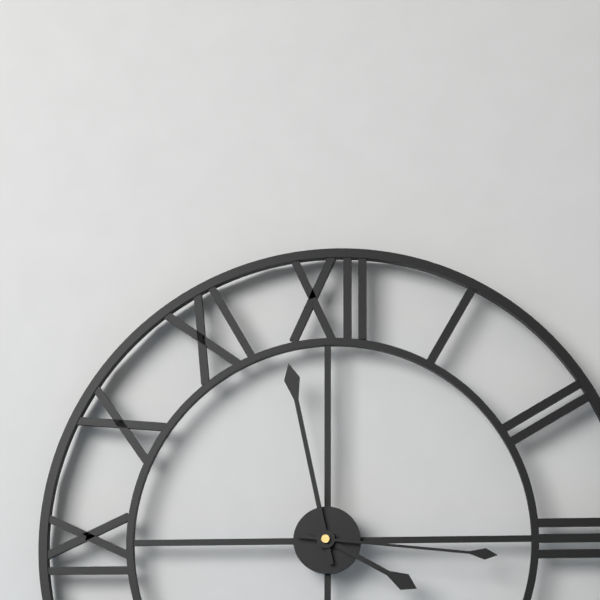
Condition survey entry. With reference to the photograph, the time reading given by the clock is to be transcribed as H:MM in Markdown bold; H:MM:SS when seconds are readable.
**3:58:16**
